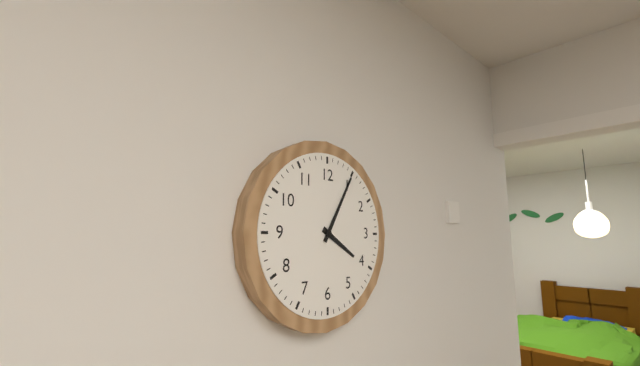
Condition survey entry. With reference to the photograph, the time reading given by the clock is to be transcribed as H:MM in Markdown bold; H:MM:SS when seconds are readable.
**4:05**
